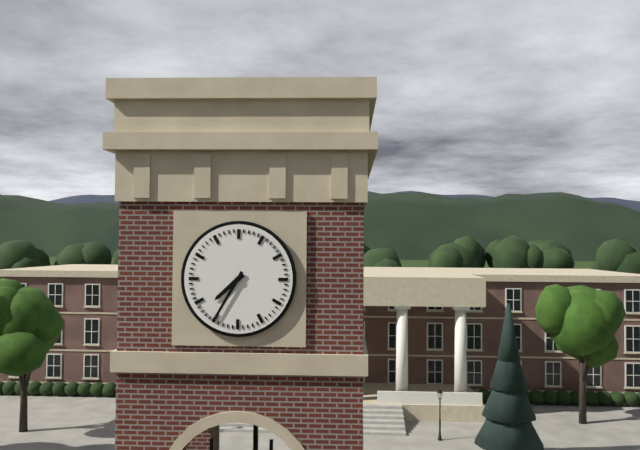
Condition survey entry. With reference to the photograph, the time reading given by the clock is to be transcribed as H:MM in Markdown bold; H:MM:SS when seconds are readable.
**7:35**
